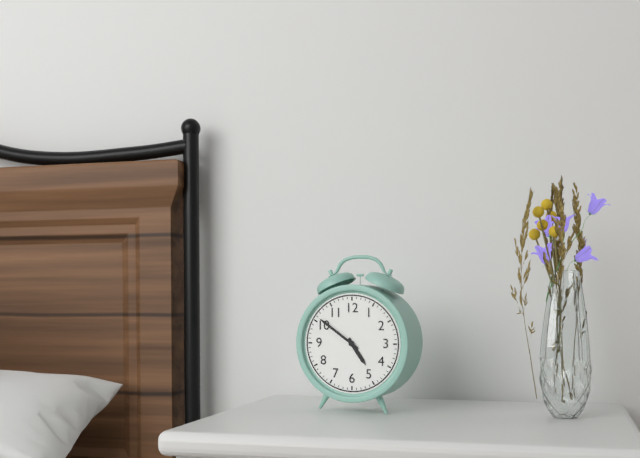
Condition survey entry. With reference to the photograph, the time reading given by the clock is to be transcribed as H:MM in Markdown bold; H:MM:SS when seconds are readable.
**4:51**
